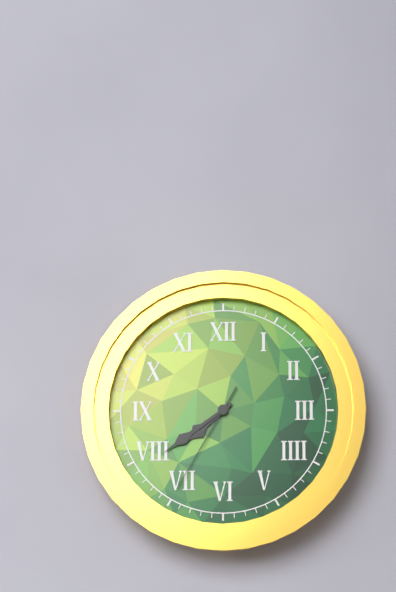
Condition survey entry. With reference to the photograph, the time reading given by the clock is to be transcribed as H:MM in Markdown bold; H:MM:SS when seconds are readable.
**7:39:35**
